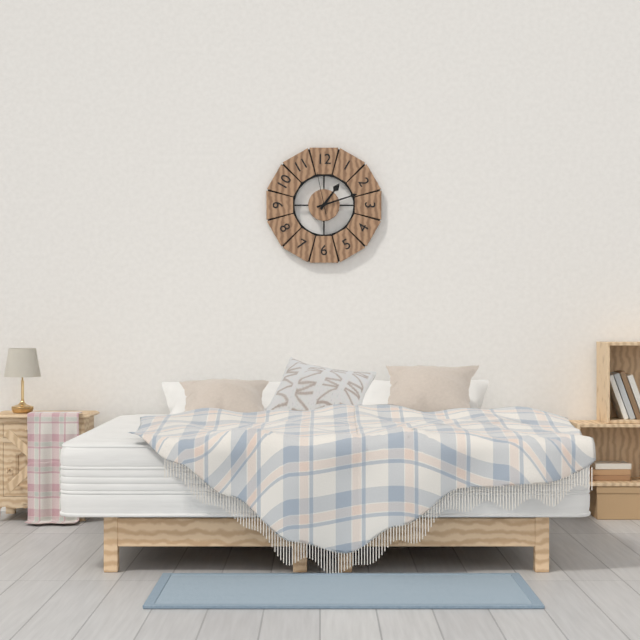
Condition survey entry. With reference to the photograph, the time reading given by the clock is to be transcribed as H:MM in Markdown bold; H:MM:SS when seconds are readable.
**1:12**
